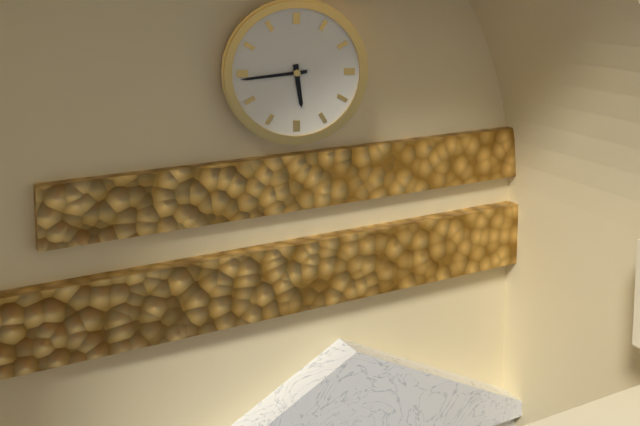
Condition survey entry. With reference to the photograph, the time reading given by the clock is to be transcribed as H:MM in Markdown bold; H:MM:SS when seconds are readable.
**5:44**
